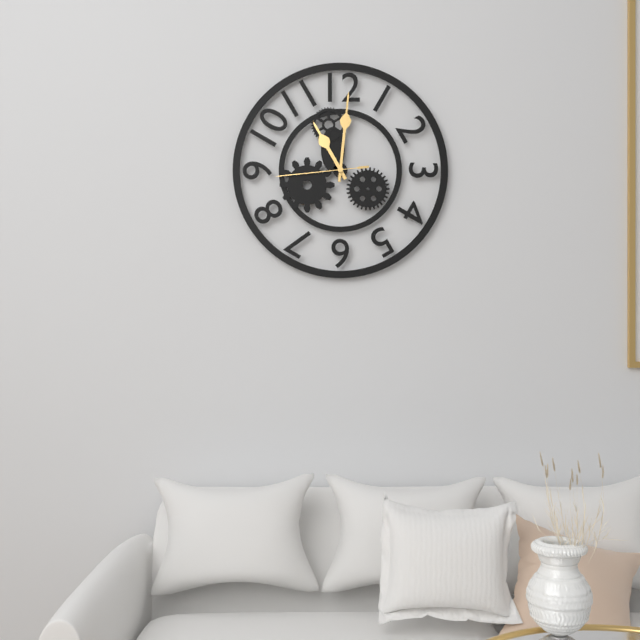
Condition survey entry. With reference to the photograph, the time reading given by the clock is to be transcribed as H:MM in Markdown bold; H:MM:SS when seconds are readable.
**11:01:44**
